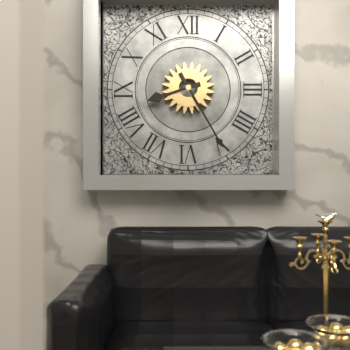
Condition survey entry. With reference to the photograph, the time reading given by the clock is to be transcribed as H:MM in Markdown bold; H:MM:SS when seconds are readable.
**8:25**
